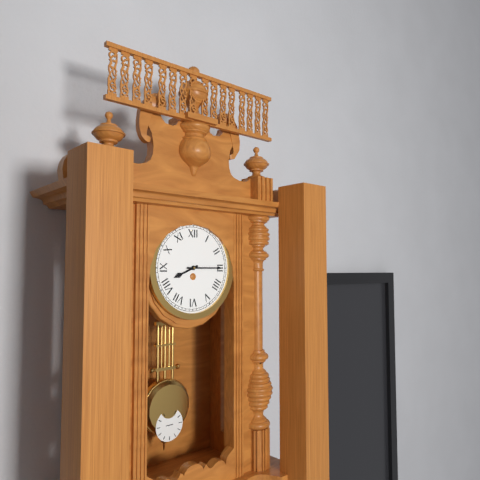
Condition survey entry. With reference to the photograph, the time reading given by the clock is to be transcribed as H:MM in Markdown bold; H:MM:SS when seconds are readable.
**8:15**
